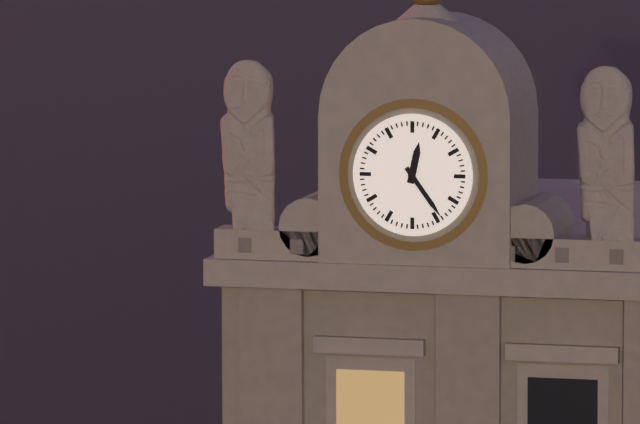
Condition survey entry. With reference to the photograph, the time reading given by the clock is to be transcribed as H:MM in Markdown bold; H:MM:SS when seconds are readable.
**12:24**
